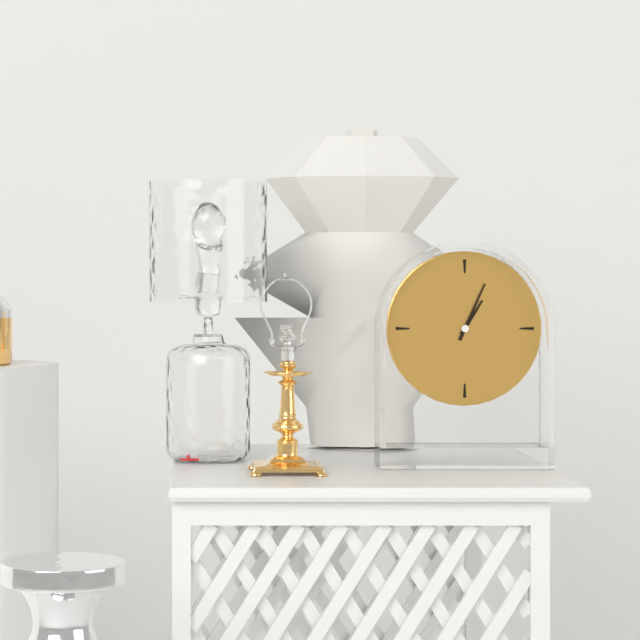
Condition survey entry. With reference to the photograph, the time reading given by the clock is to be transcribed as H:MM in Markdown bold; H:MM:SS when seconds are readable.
**1:04**
